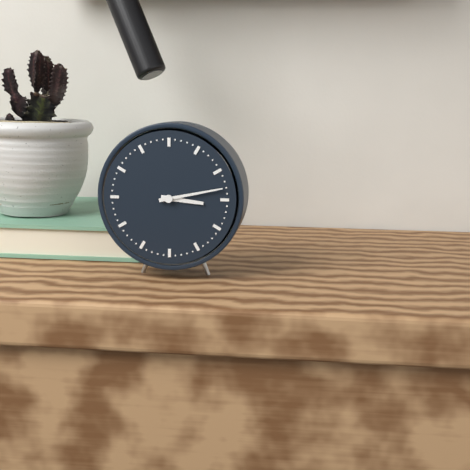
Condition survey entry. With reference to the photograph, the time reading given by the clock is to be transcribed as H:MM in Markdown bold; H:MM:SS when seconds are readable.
**3:13**
